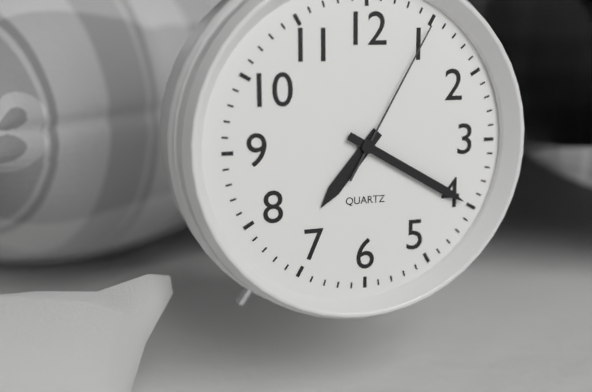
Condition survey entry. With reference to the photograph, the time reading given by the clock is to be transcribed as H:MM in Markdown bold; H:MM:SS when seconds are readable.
**7:20:05**
